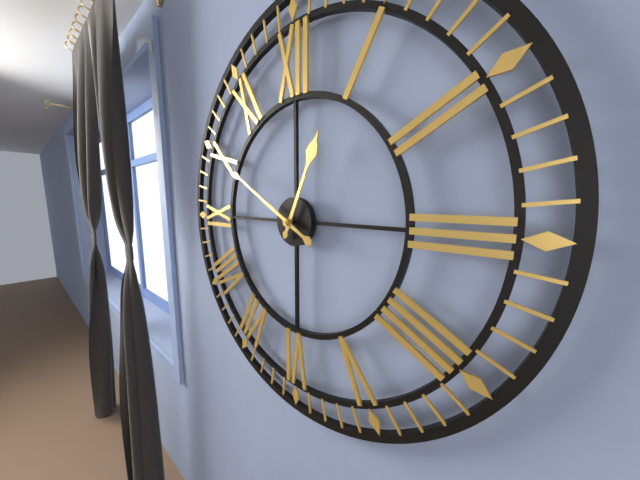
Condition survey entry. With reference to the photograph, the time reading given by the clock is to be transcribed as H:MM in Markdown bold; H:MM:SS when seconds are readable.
**12:50**
